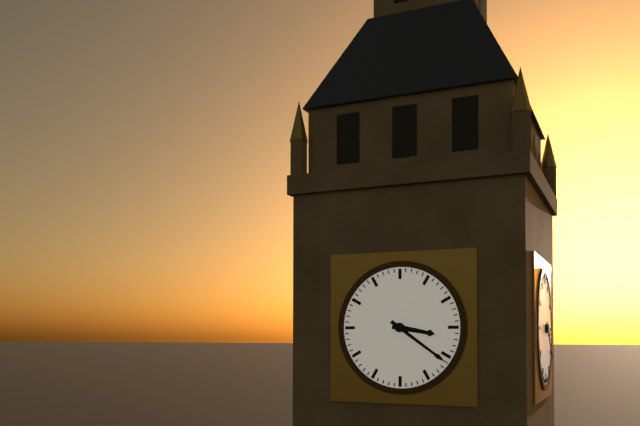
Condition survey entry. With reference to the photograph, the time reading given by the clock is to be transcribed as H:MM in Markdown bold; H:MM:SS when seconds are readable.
**3:21**
